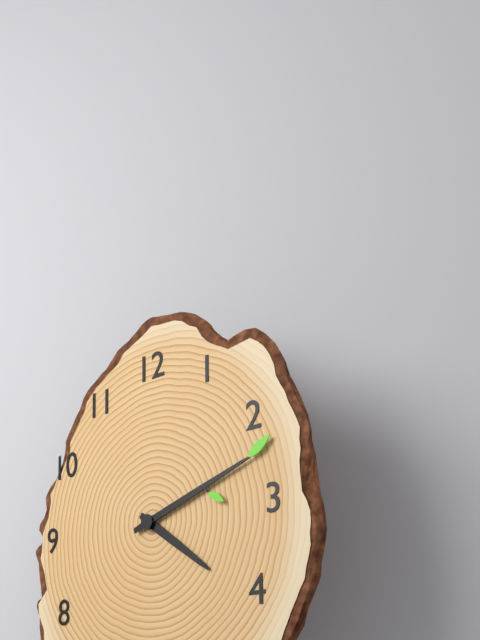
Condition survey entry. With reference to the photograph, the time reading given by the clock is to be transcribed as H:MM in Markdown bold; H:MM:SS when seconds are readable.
**4:12**
